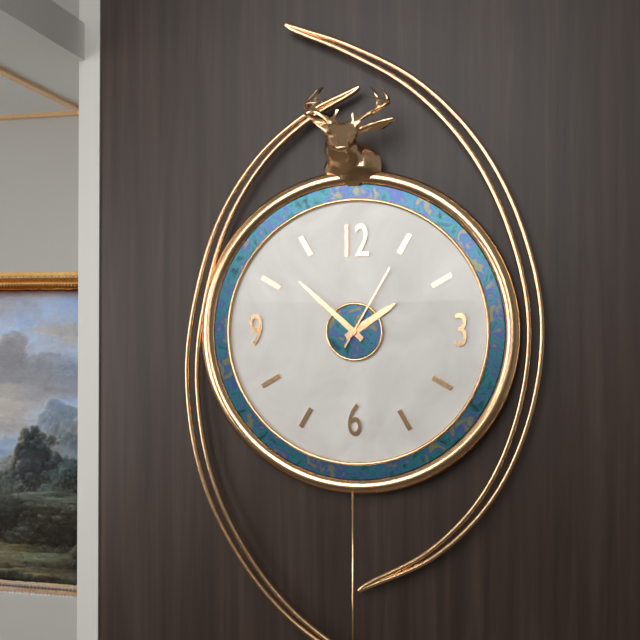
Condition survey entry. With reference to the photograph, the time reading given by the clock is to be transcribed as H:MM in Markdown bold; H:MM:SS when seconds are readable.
**1:52:05**
